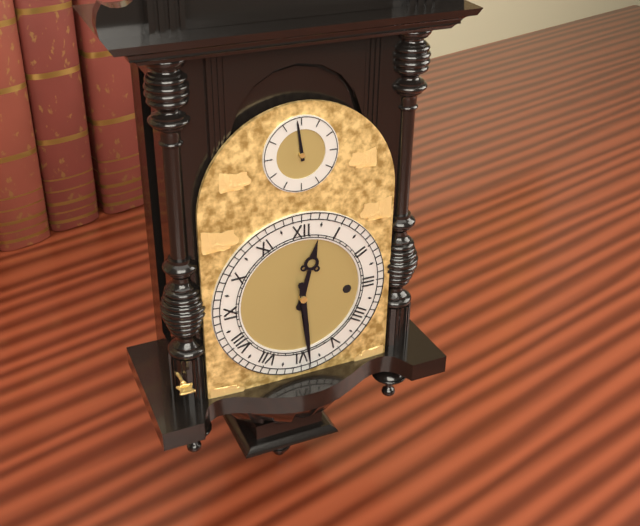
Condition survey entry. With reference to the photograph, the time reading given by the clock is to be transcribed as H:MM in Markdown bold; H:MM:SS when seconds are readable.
**12:29**
